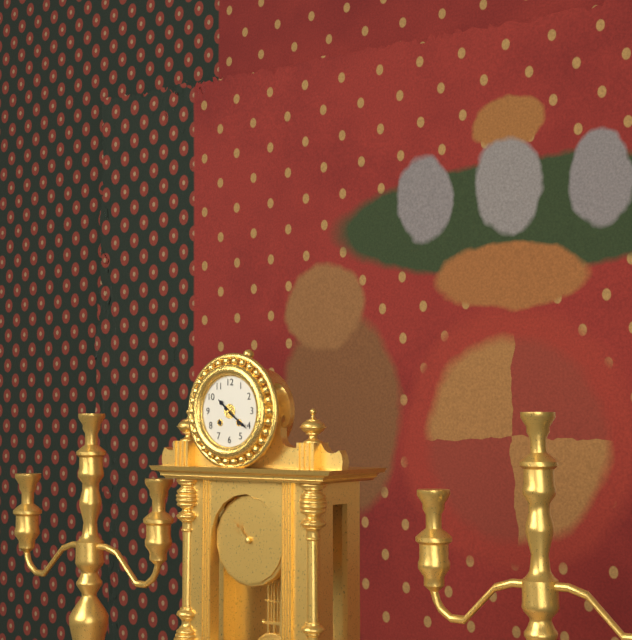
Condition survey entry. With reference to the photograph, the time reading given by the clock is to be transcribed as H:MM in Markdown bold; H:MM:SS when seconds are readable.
**10:21**
